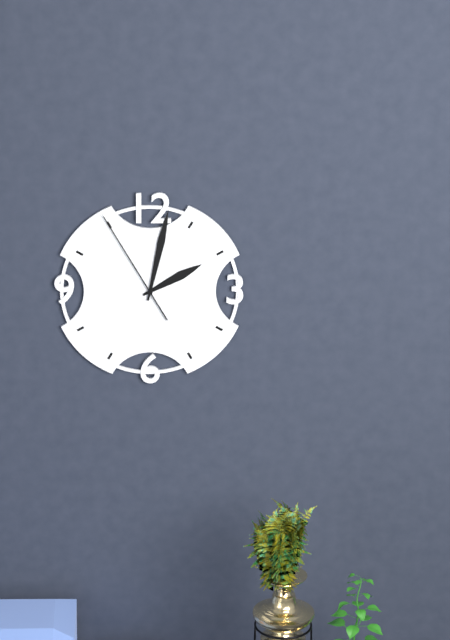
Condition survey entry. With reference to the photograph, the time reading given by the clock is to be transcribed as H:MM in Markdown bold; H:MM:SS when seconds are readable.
**2:02:55**
